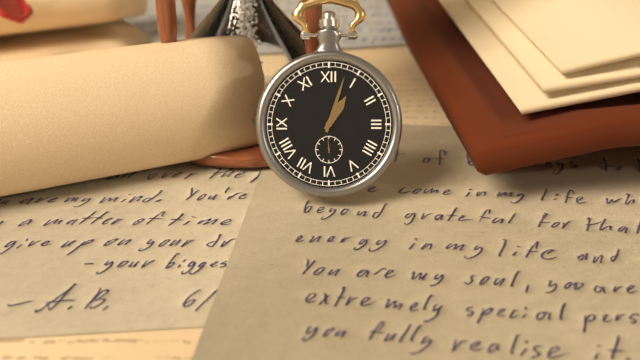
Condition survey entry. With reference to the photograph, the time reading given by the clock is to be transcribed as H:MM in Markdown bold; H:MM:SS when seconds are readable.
**1:03**
